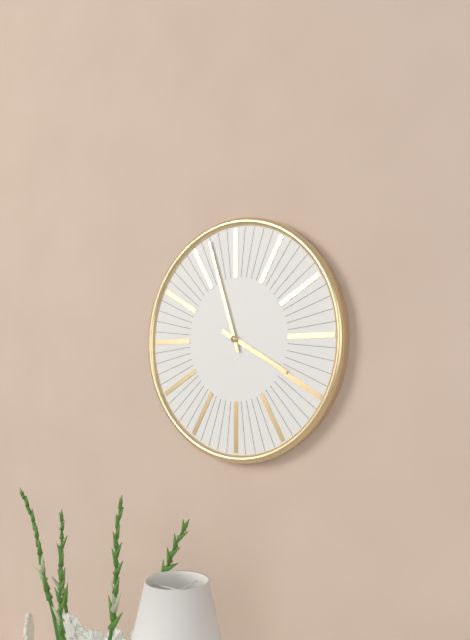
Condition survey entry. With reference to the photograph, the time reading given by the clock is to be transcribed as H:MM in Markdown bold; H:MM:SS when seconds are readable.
**3:57**
